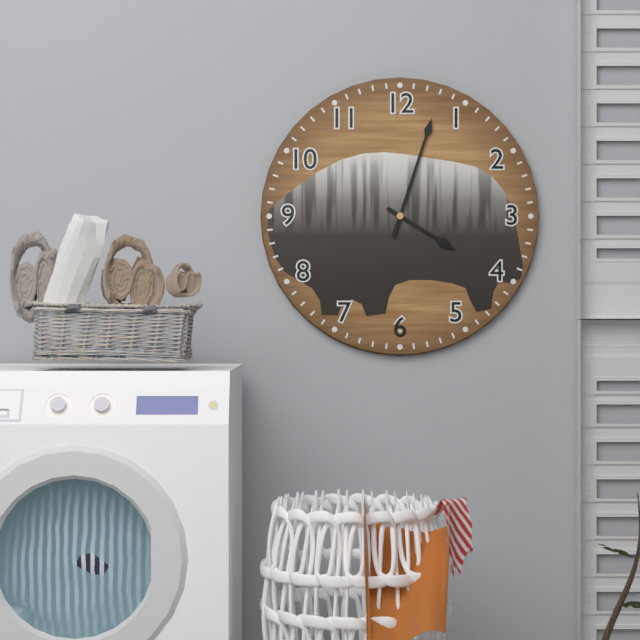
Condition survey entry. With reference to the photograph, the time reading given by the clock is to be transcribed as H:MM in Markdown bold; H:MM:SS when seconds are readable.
**4:03**
